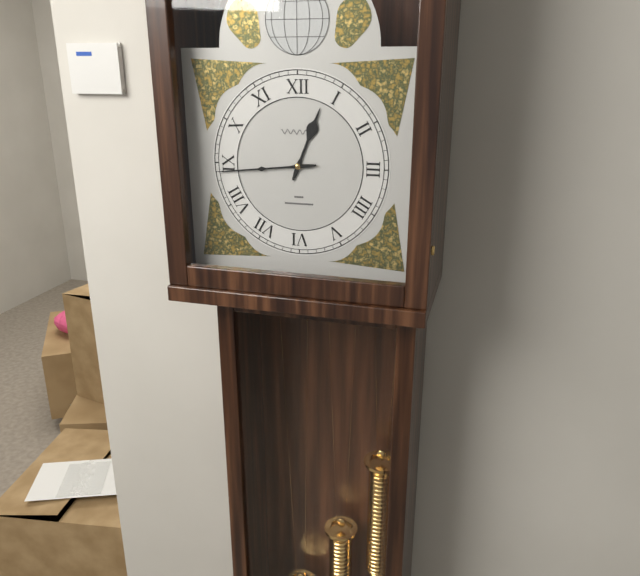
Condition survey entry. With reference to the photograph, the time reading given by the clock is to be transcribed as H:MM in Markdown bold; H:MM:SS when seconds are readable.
**12:44**
